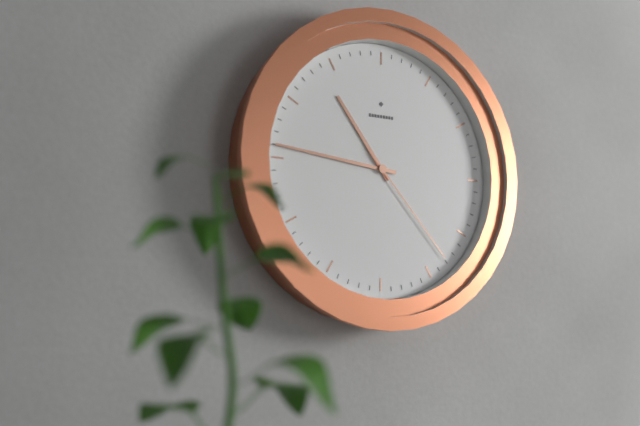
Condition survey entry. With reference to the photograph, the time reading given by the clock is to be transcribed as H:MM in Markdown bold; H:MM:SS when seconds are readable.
**10:46:23**
